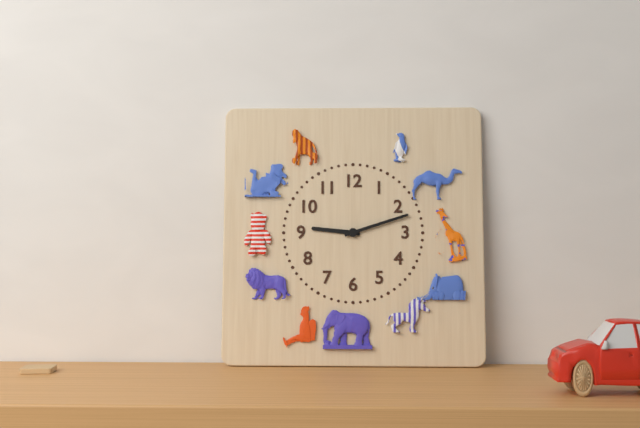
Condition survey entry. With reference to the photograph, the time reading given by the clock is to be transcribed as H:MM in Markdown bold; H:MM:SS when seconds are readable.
**9:12**
